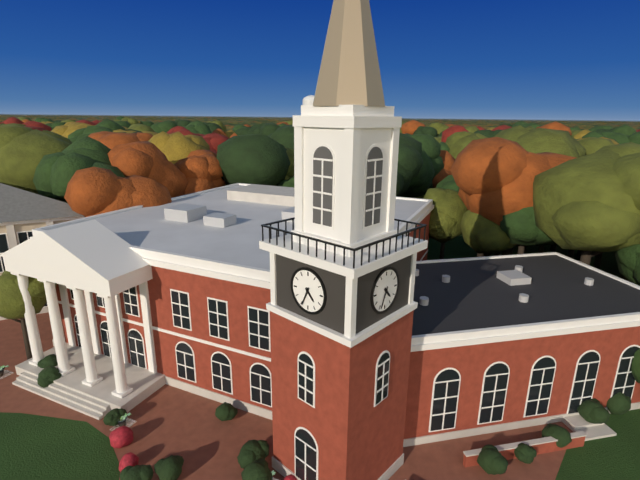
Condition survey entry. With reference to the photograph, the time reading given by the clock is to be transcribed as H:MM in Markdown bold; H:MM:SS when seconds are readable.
**4:34**
